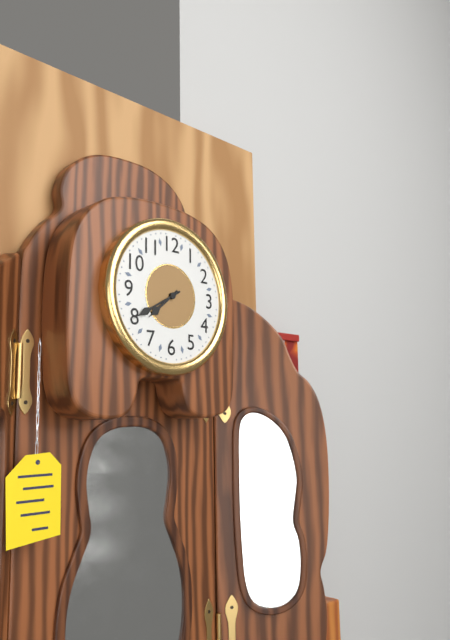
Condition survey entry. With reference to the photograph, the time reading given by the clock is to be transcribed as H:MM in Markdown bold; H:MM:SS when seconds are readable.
**7:40**
